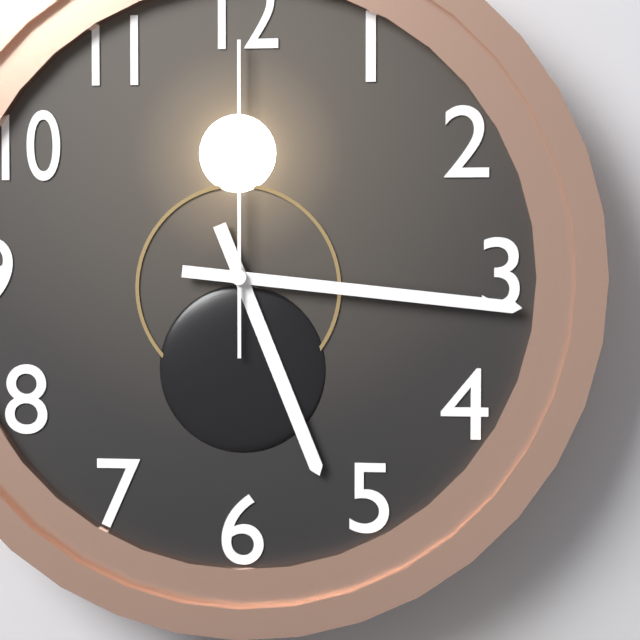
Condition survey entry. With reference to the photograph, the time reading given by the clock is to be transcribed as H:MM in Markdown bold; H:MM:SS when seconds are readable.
**5:16:00**
